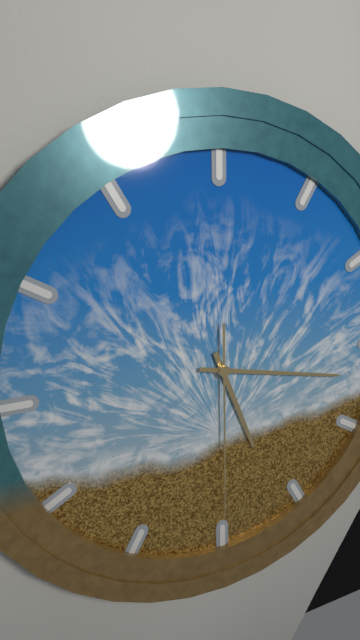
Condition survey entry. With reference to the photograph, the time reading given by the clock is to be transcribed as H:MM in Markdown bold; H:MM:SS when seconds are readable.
**5:17:30**
